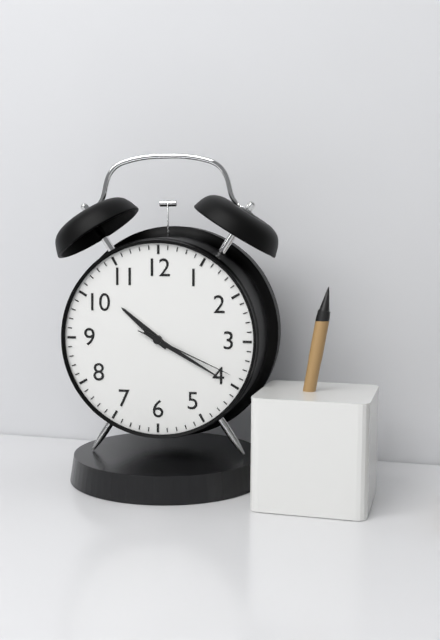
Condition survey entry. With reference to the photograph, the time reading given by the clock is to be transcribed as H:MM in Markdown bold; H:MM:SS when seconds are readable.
**10:20:19**
